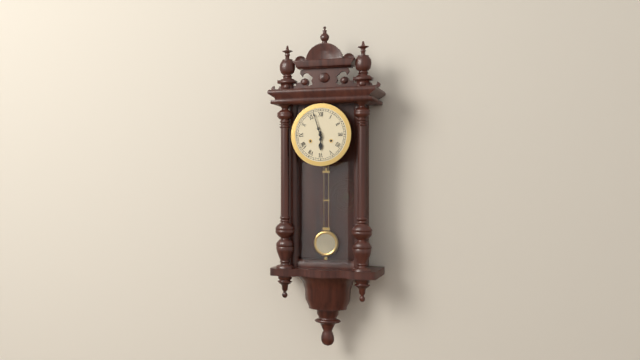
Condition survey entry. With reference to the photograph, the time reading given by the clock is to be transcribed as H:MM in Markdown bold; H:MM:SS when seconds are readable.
**5:57**
